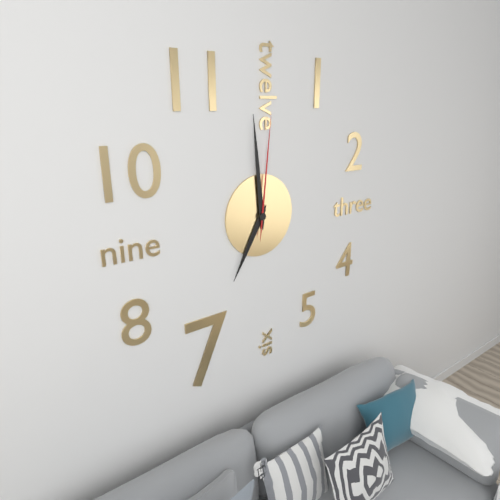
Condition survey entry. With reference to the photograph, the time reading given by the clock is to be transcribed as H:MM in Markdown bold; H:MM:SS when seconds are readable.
**6:59:01**
